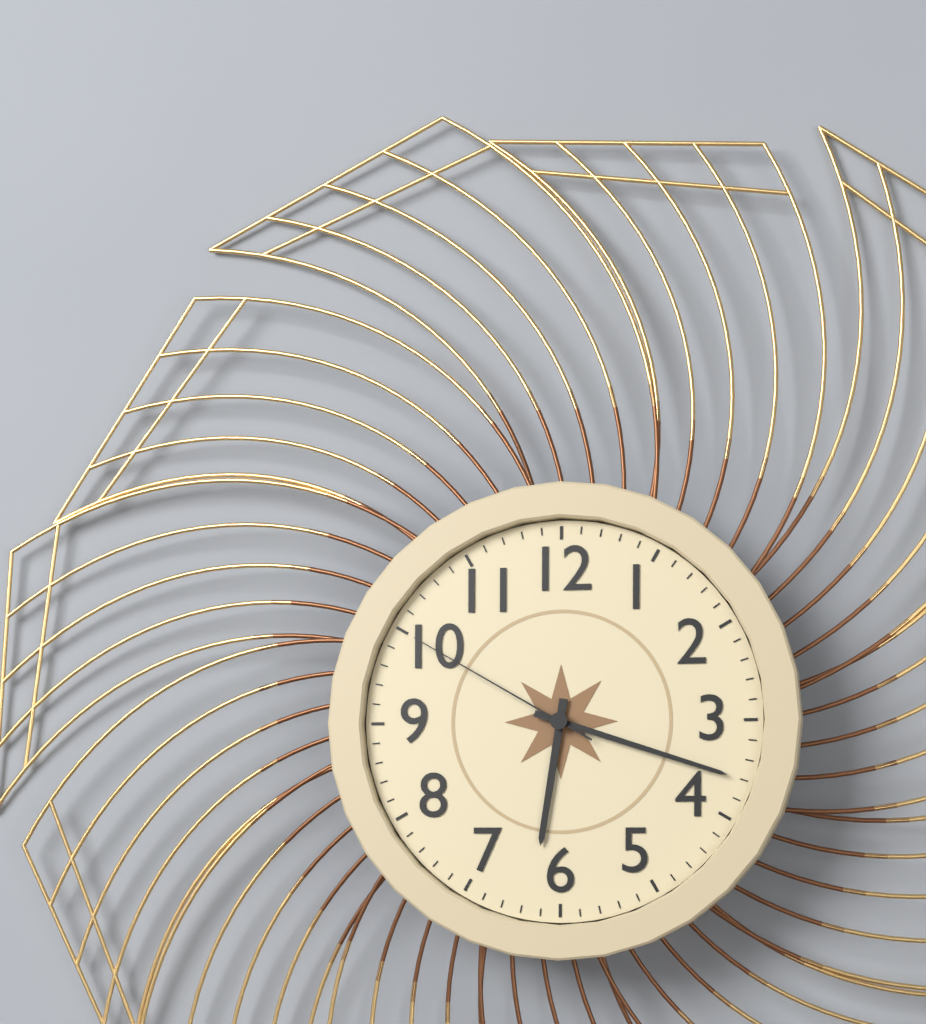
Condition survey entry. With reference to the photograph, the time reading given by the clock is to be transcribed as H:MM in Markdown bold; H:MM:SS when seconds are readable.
**6:18:50**
